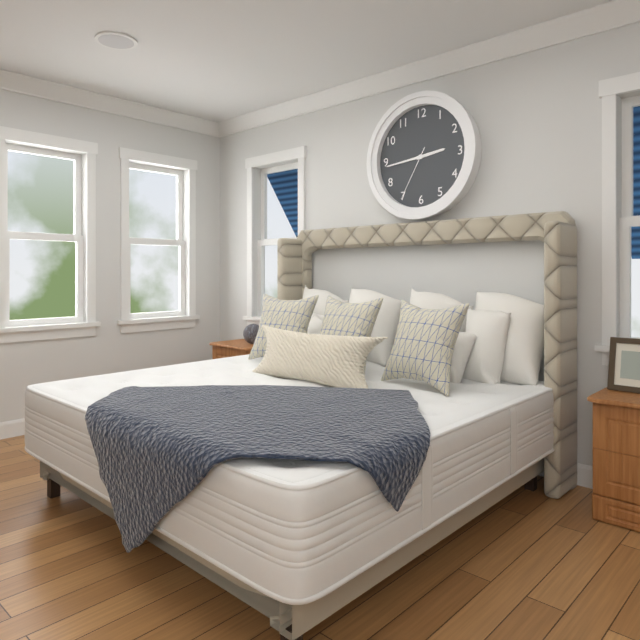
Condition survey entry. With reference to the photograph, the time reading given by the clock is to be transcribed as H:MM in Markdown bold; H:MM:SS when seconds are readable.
**2:44:35**
